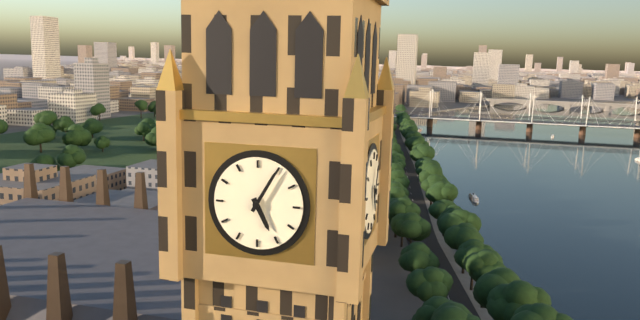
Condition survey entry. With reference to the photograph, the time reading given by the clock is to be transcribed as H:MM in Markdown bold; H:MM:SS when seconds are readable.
**5:05**
